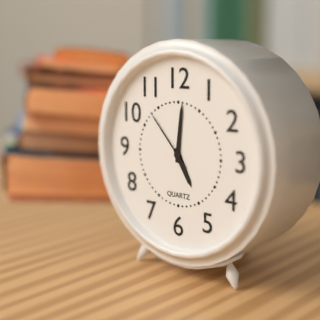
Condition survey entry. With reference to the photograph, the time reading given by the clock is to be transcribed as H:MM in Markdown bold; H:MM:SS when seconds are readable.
**5:01:53**
